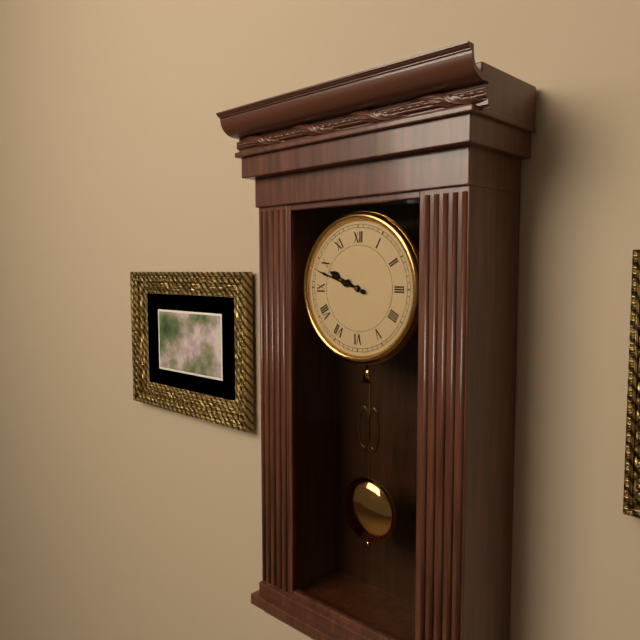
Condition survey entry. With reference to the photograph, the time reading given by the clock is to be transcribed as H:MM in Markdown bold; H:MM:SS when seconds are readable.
**9:48**
